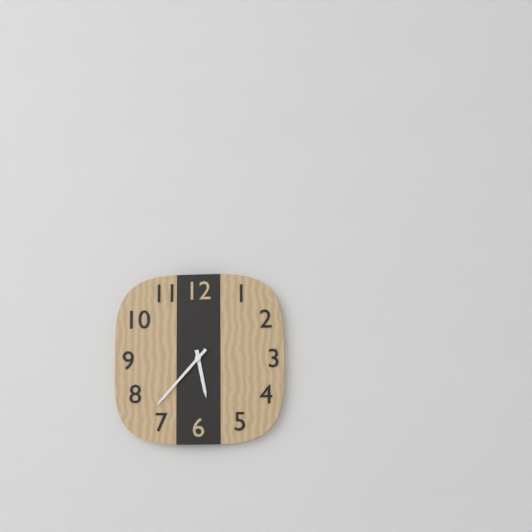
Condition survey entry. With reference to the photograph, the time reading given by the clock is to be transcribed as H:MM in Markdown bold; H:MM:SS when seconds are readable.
**5:37**
